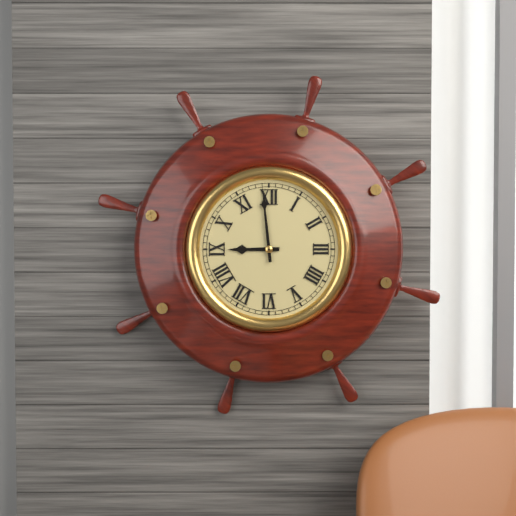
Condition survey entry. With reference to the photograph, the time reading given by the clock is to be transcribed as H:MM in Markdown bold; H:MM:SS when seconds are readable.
**8:59**
